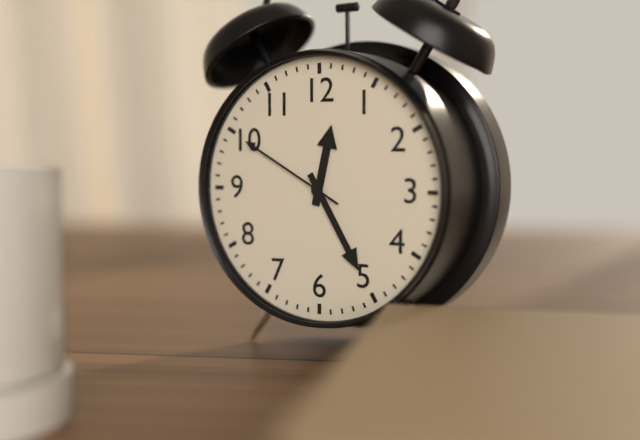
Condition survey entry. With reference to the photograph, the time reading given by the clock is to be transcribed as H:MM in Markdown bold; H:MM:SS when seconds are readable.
**12:25:50**
